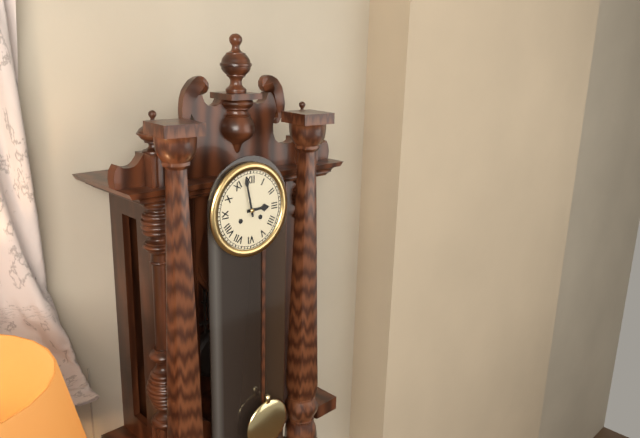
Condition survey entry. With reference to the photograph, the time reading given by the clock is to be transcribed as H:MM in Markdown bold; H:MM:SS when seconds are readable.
**2:58**
